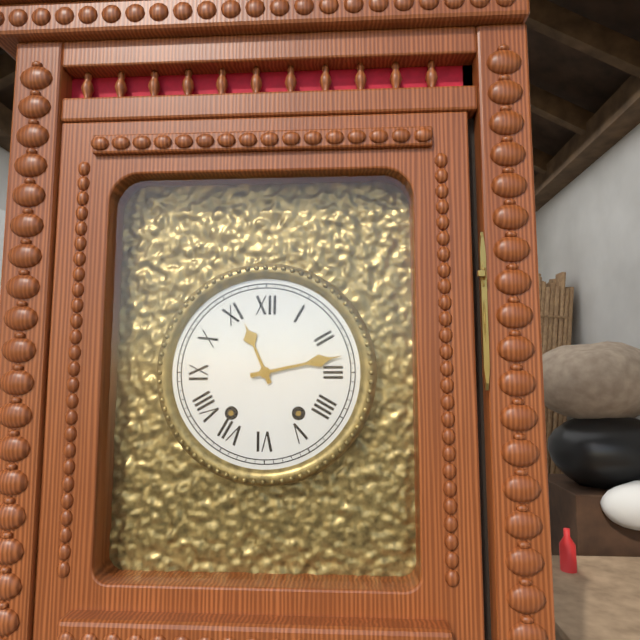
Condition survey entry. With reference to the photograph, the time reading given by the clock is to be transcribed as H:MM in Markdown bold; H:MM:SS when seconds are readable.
**11:13**
